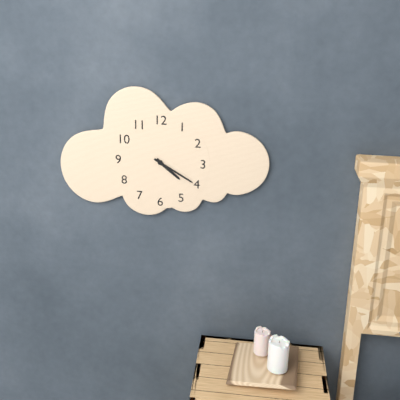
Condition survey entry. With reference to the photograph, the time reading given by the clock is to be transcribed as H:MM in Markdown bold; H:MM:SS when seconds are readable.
**4:20**
